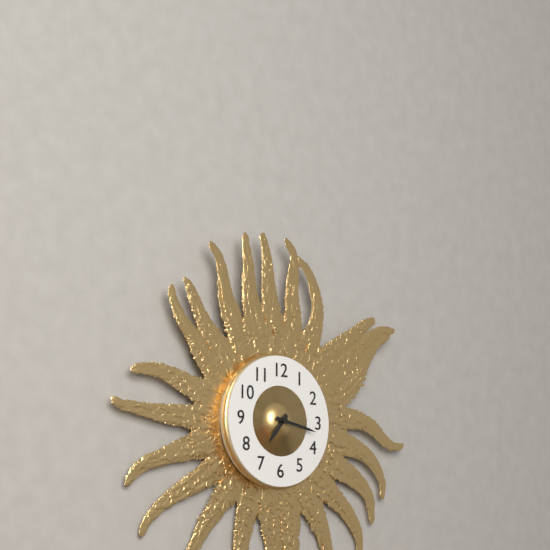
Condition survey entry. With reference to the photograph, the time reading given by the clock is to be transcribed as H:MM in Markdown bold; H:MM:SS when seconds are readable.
**7:17**
